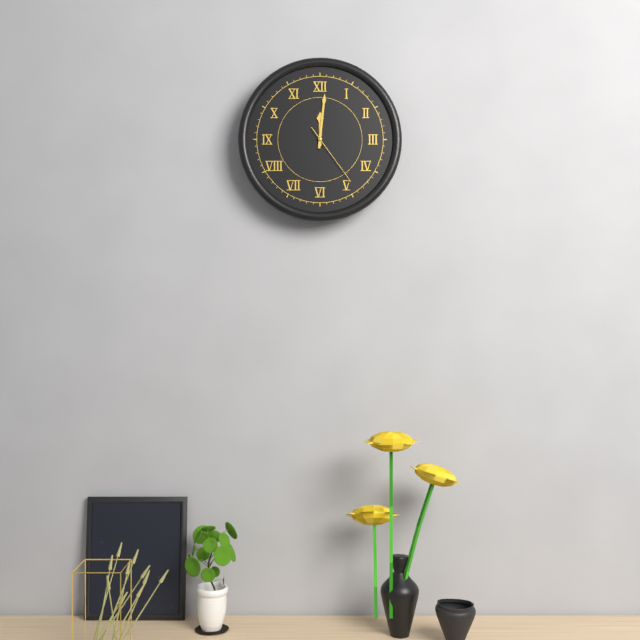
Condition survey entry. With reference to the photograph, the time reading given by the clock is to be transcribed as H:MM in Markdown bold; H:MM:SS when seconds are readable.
**12:01:24**
